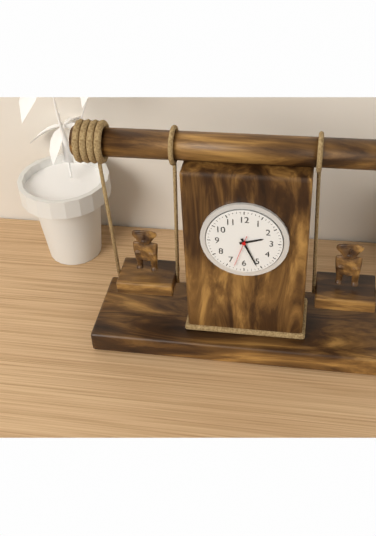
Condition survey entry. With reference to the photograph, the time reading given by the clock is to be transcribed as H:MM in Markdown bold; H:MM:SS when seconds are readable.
**2:26**
